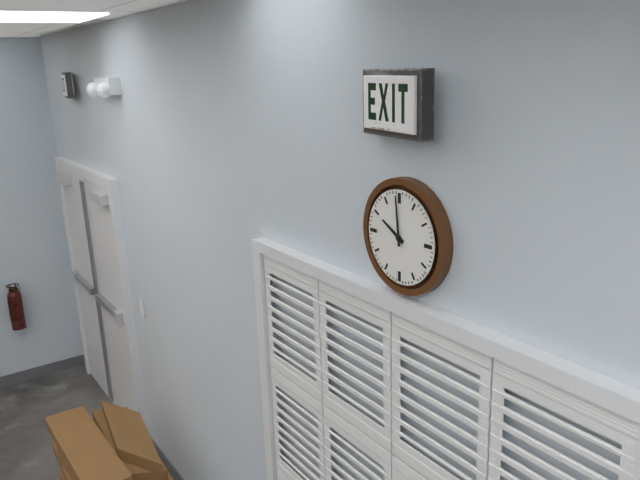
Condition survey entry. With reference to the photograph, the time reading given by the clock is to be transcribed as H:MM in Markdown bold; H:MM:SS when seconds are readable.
**9:59**
